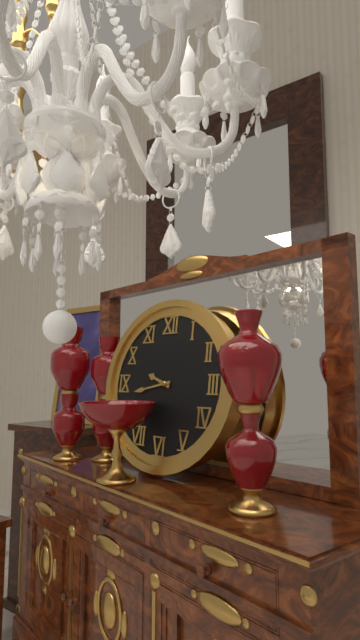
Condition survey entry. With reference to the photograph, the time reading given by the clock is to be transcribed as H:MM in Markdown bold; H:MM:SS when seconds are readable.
**9:43**
